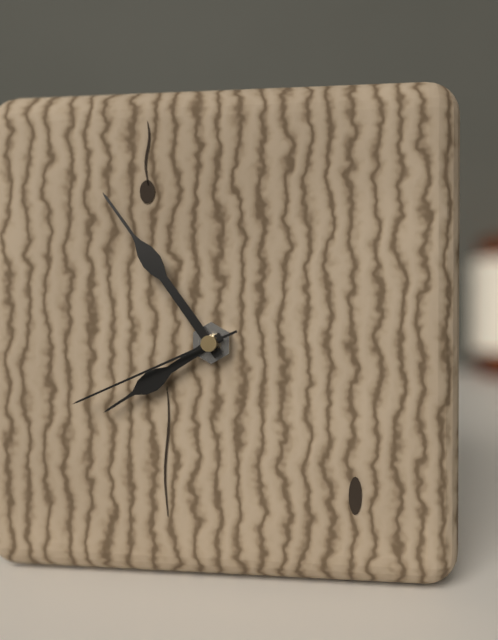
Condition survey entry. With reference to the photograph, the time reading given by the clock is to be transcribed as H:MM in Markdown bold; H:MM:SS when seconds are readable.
**7:54:41**
